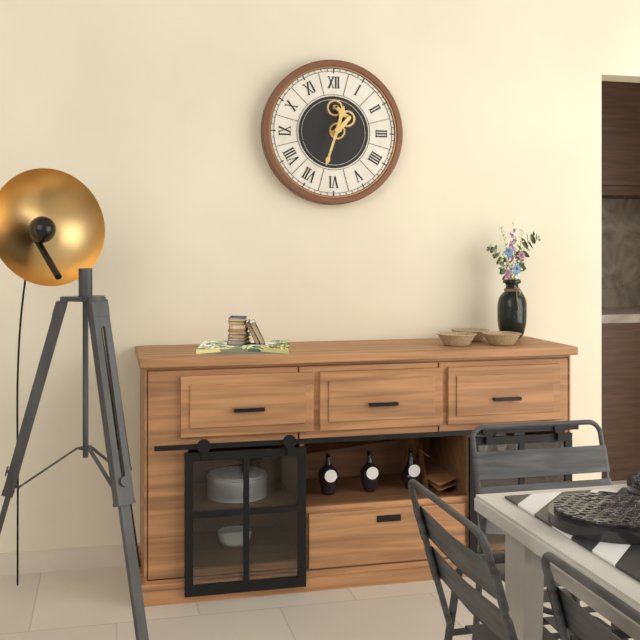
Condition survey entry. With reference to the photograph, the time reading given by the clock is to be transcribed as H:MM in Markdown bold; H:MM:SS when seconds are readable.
**12:33**
